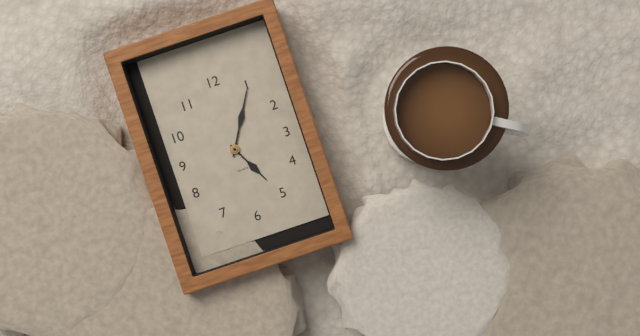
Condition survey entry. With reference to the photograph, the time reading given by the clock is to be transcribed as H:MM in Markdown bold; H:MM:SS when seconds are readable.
**5:05**
